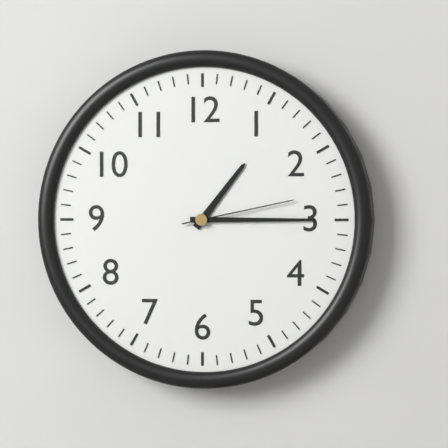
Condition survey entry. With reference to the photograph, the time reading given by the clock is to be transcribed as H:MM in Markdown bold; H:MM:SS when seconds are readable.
**1:15:13**
